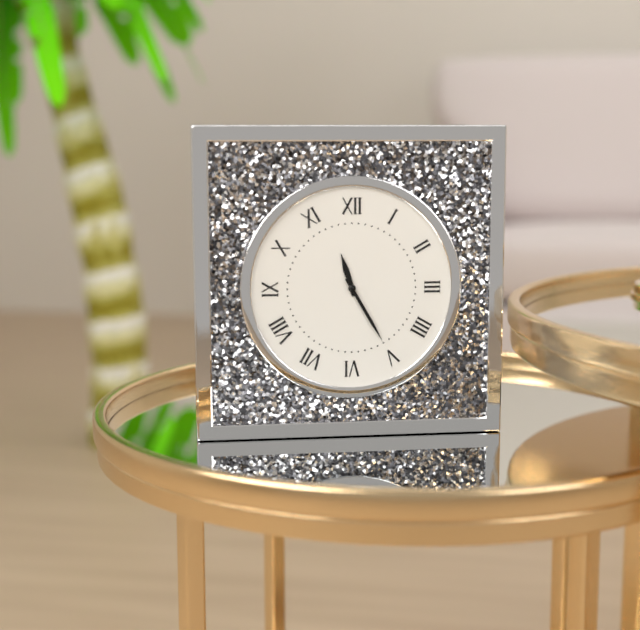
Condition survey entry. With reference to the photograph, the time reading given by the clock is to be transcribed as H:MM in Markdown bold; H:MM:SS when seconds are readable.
**11:25**
